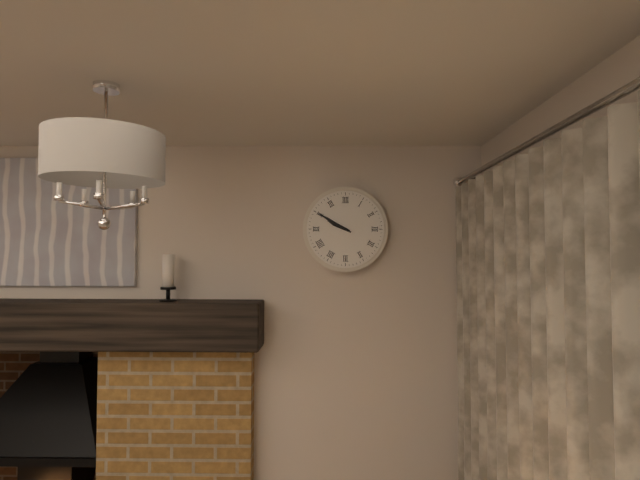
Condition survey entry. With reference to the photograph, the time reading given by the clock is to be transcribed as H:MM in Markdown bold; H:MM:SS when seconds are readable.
**9:50**
